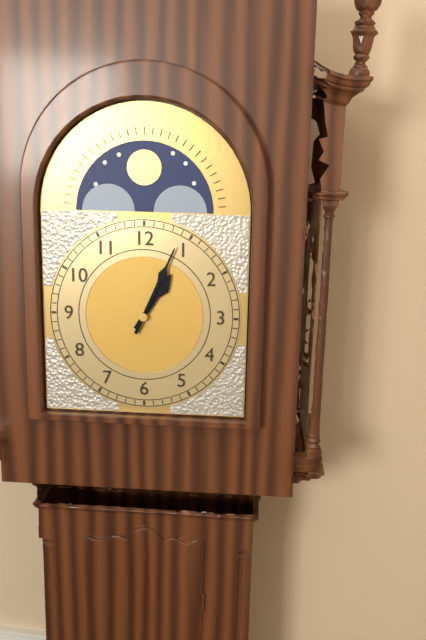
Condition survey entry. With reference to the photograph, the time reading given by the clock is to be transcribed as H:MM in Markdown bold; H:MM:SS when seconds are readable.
**1:04**
